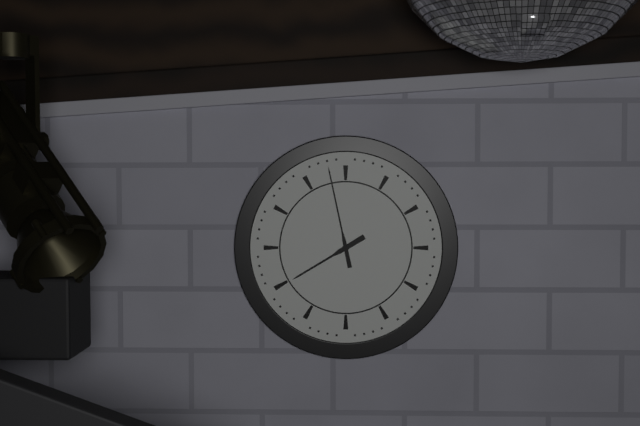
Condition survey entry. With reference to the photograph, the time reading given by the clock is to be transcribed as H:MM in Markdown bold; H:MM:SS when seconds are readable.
**7:58**
